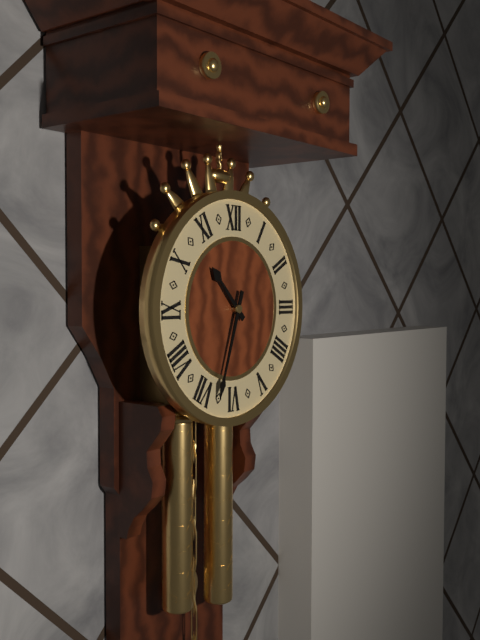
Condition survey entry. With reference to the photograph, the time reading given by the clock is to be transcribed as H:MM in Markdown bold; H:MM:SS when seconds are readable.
**10:33**
